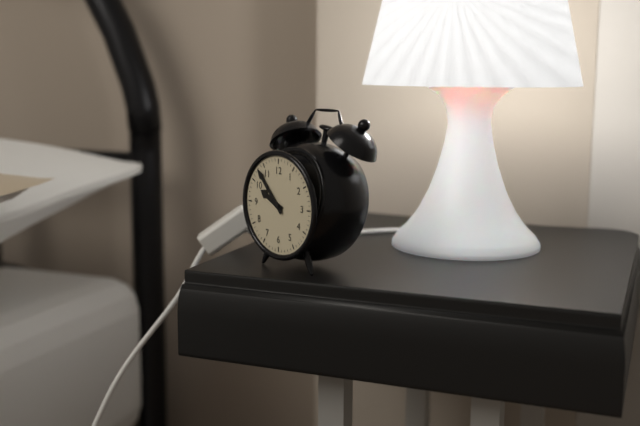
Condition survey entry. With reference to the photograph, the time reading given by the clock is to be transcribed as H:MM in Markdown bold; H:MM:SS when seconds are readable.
**9:53**
